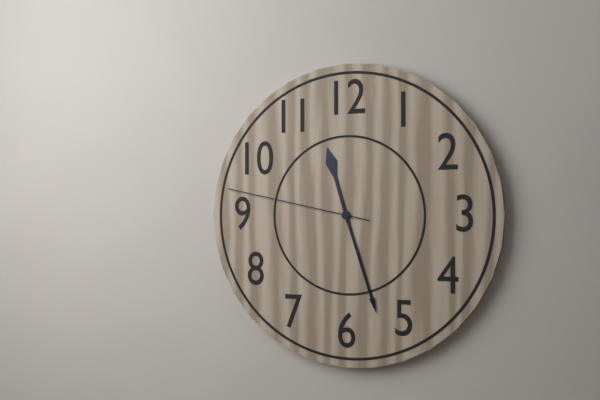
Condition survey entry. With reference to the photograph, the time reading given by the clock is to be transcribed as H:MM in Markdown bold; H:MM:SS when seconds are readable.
**11:27:47**
